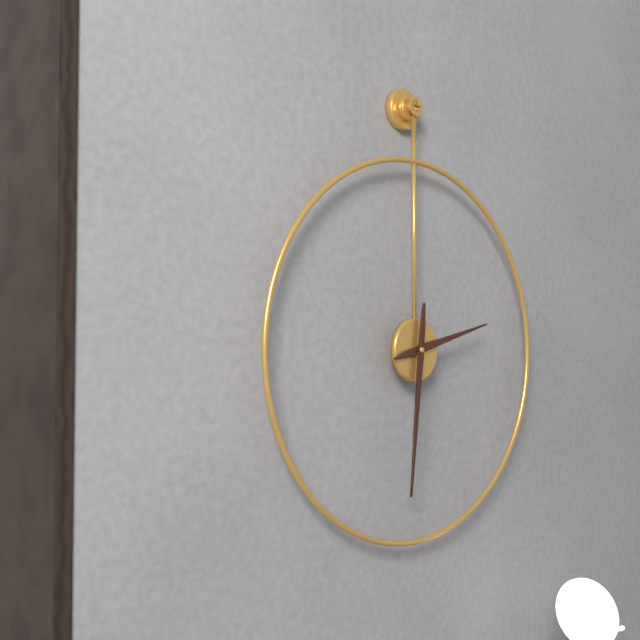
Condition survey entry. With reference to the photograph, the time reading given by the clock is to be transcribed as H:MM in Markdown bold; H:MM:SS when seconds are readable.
**2:31**
